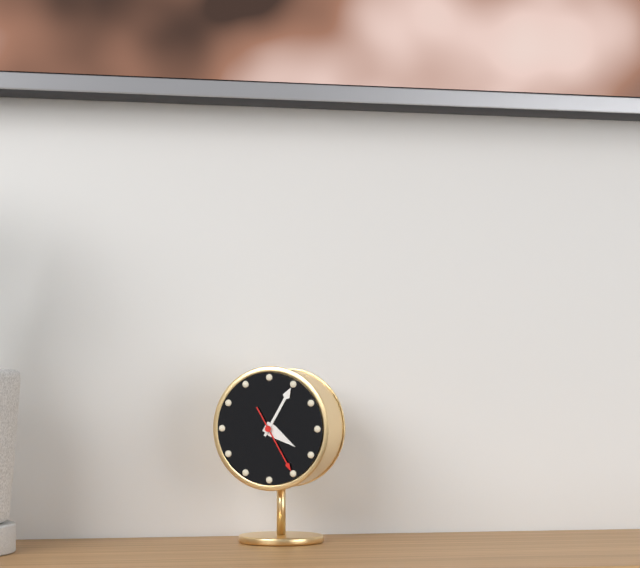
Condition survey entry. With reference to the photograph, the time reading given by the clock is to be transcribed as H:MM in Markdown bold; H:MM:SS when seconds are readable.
**4:05:25**
